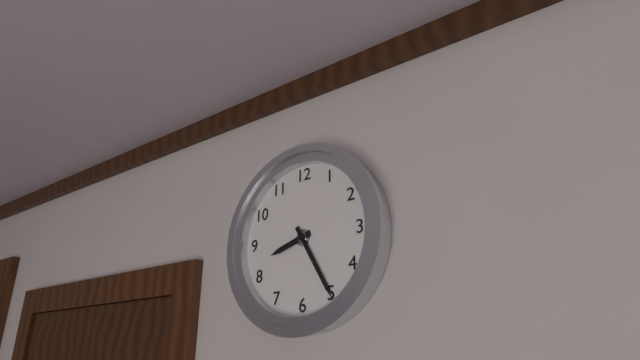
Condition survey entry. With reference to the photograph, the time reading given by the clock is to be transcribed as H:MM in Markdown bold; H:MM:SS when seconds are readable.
**8:25**
